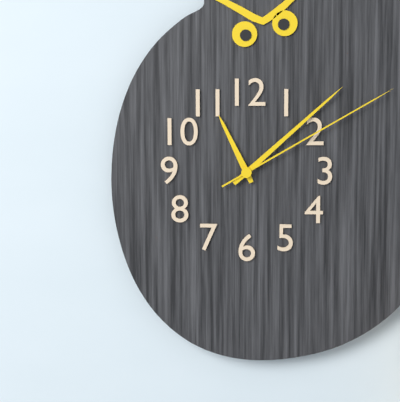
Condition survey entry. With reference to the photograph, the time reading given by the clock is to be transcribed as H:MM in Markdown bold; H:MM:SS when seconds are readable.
**11:08:10**
